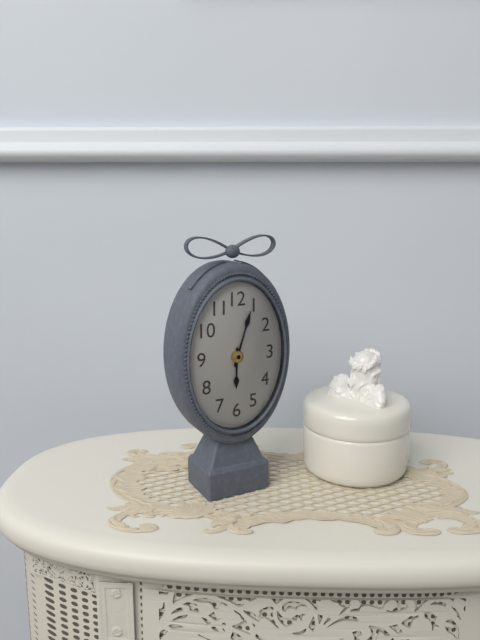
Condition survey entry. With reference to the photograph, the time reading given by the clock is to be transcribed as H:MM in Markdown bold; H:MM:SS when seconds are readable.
**6:03**
